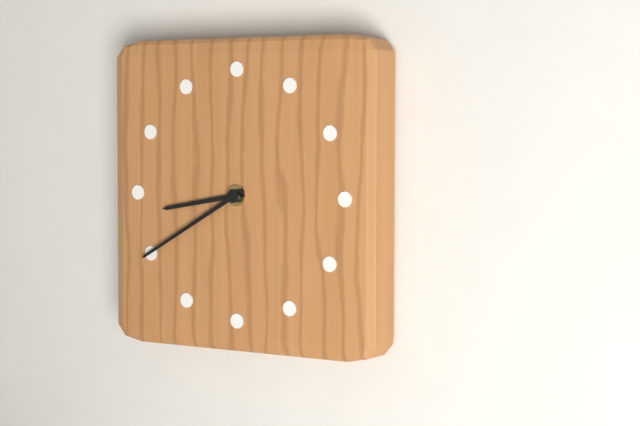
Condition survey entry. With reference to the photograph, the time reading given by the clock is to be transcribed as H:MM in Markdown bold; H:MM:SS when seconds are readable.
**8:40**
